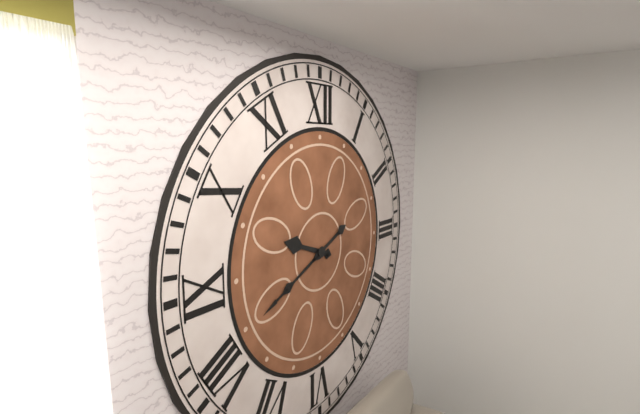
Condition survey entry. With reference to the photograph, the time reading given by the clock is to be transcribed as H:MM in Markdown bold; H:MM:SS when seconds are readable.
**9:41**
